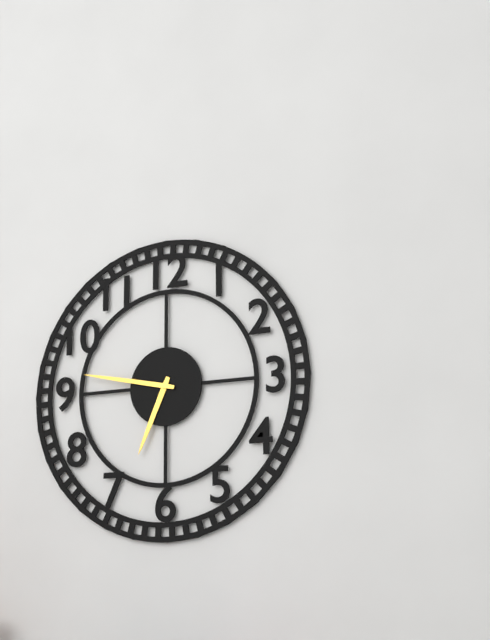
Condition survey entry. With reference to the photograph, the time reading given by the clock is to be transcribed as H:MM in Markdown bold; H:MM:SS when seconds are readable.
**6:47**
